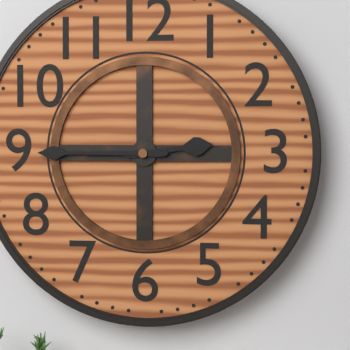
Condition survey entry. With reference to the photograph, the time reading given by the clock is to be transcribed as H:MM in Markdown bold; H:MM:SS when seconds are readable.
**2:45**
